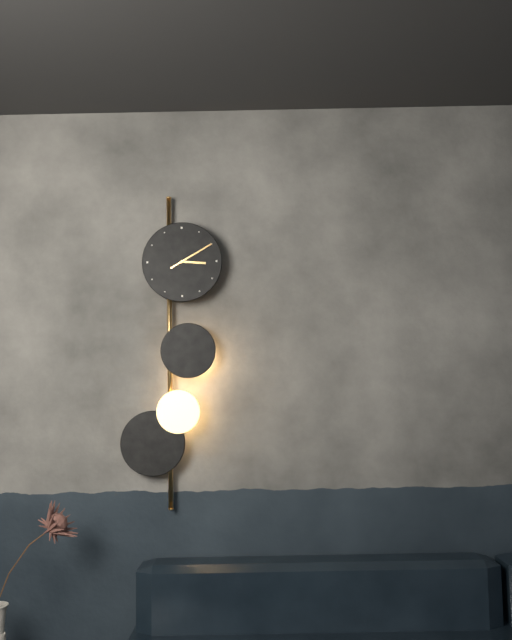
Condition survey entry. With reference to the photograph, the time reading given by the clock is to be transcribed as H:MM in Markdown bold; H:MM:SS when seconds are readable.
**3:10**
